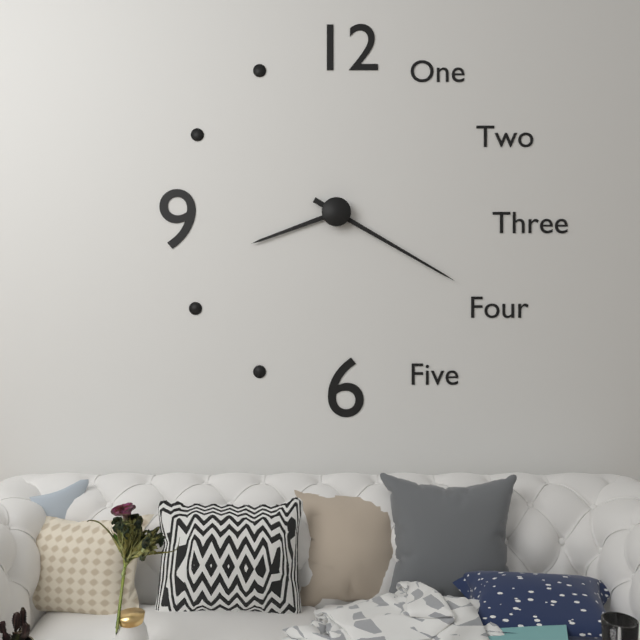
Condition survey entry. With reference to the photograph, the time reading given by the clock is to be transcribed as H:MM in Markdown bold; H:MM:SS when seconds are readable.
**8:20**
